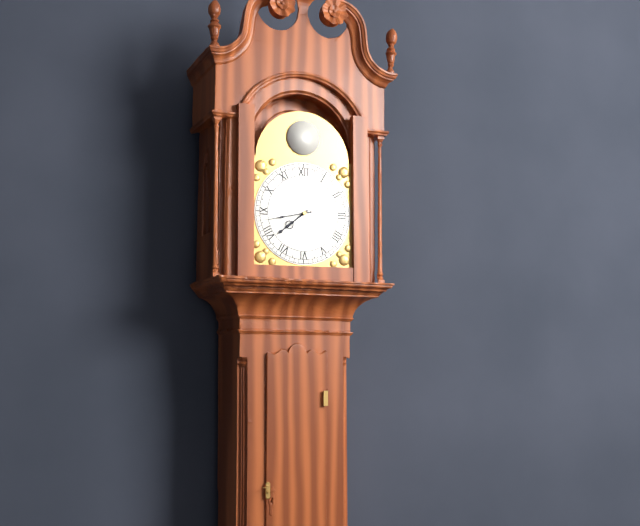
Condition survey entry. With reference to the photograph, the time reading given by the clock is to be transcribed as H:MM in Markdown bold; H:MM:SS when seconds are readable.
**7:43**
